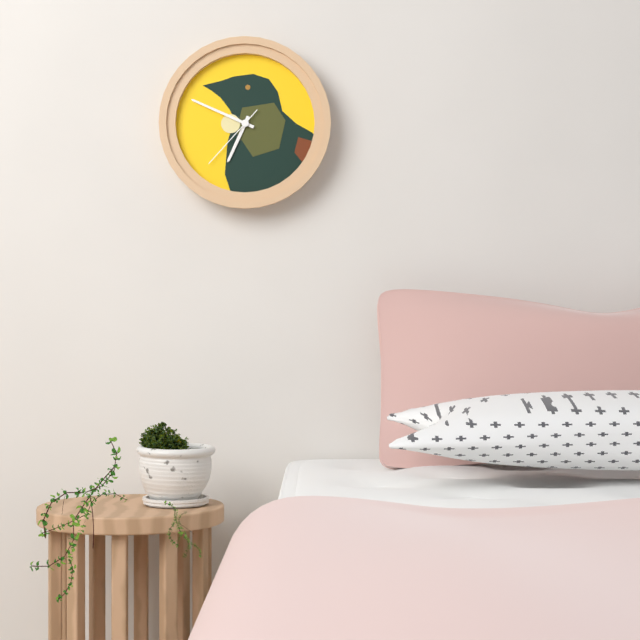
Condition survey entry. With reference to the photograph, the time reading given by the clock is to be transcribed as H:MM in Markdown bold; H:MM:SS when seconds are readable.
**6:49:37**
